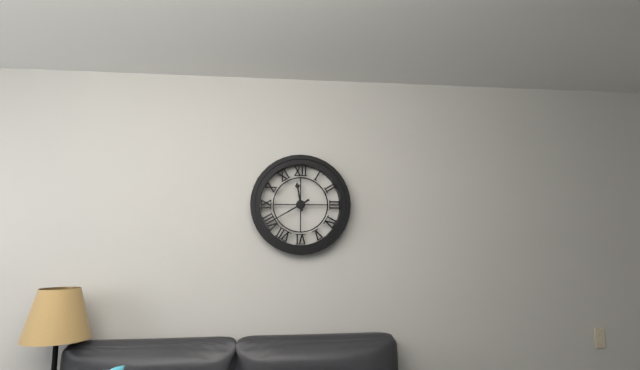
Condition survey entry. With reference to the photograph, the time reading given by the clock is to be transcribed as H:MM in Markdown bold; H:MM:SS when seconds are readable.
**11:40**
